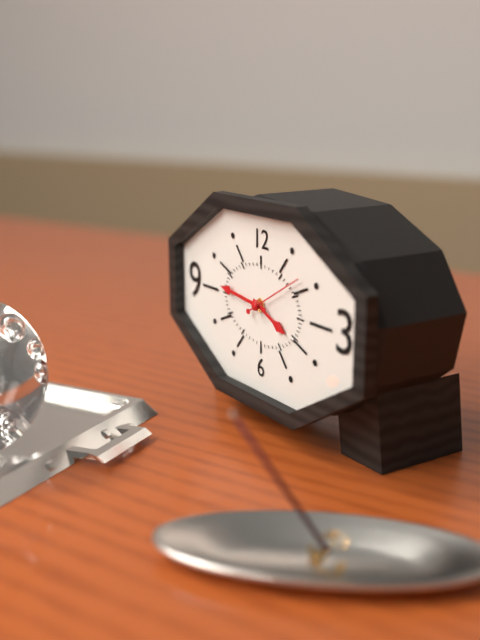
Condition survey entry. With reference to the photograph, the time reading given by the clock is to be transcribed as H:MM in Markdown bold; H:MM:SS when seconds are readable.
**3:46:10**
